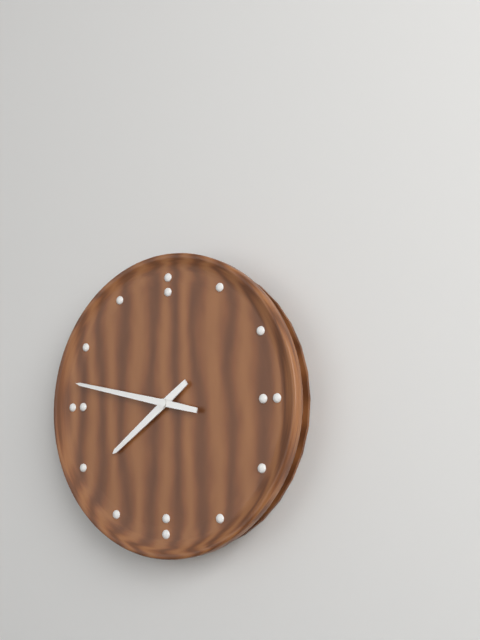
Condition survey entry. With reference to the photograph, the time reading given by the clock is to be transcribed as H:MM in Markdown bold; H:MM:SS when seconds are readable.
**7:47**
